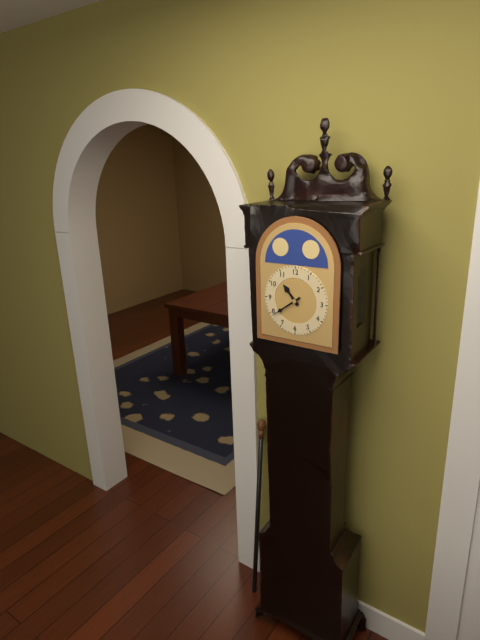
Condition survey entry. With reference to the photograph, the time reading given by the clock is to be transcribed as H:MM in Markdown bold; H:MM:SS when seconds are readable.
**10:39**
